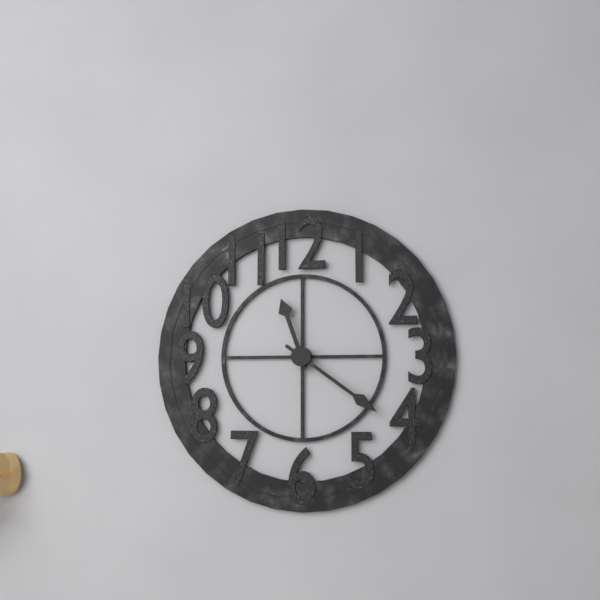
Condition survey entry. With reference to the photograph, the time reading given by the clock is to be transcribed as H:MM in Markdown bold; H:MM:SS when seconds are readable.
**11:21**
